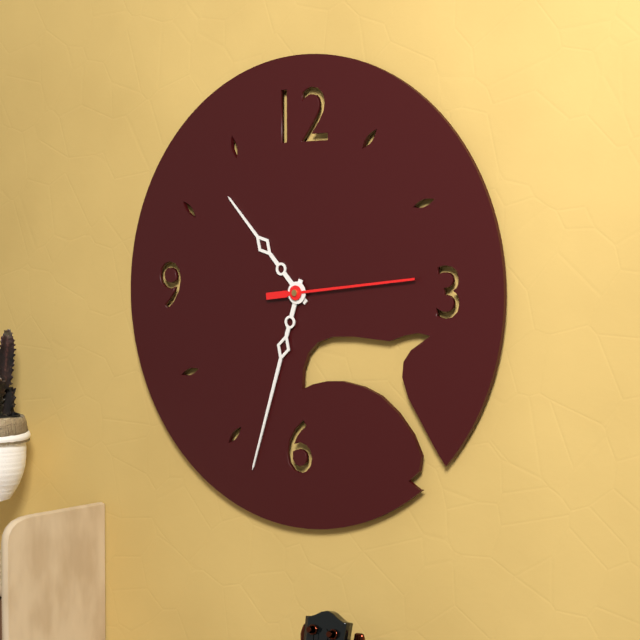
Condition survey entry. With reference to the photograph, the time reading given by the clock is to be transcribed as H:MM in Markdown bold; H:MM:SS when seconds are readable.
**10:33:14**
